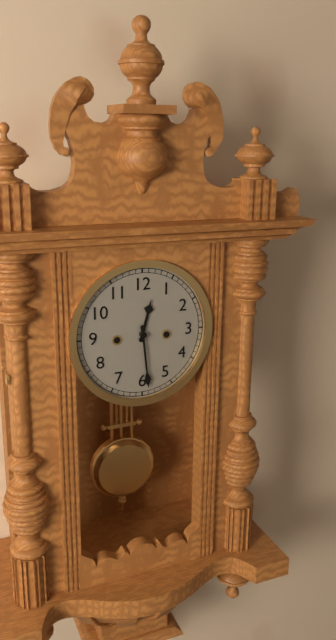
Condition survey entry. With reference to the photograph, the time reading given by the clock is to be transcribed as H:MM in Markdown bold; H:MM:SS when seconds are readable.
**12:29**
